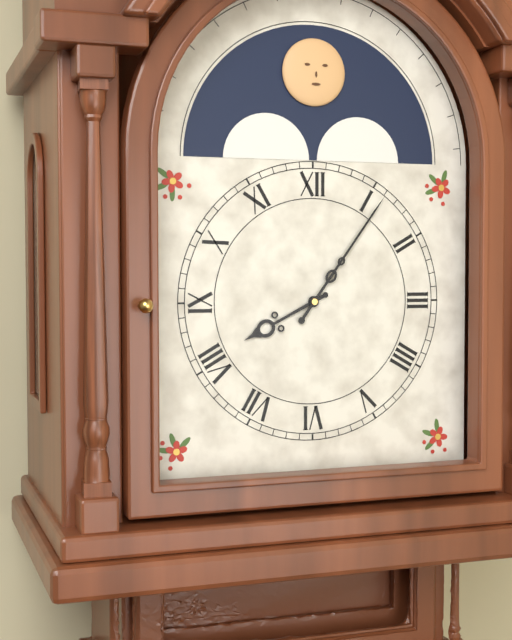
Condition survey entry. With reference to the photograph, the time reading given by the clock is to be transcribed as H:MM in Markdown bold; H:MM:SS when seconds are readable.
**8:06**
